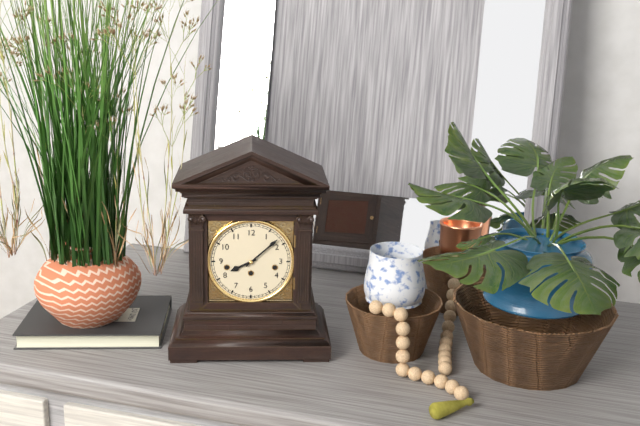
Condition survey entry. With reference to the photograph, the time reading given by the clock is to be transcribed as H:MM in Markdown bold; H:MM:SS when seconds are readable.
**8:08**
